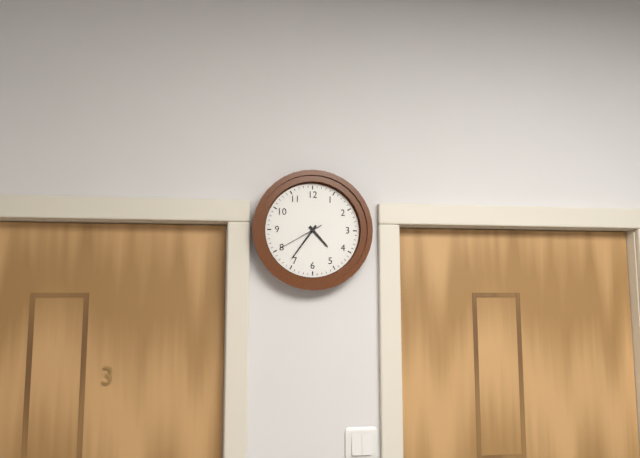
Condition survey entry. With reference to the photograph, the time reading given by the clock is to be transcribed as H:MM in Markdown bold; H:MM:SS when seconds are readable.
**4:36**
